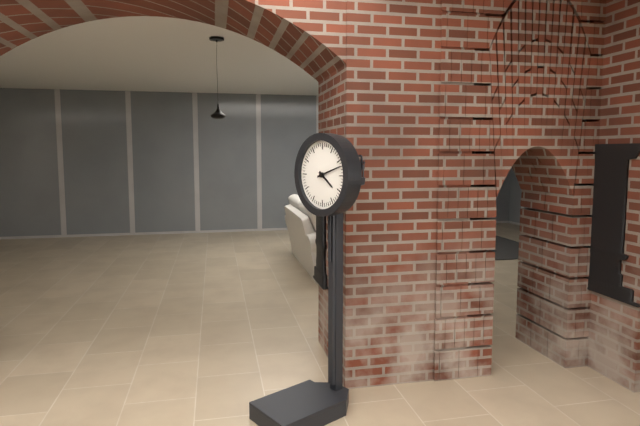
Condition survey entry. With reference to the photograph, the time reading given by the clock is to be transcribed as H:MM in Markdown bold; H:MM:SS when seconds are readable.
**4:12**
